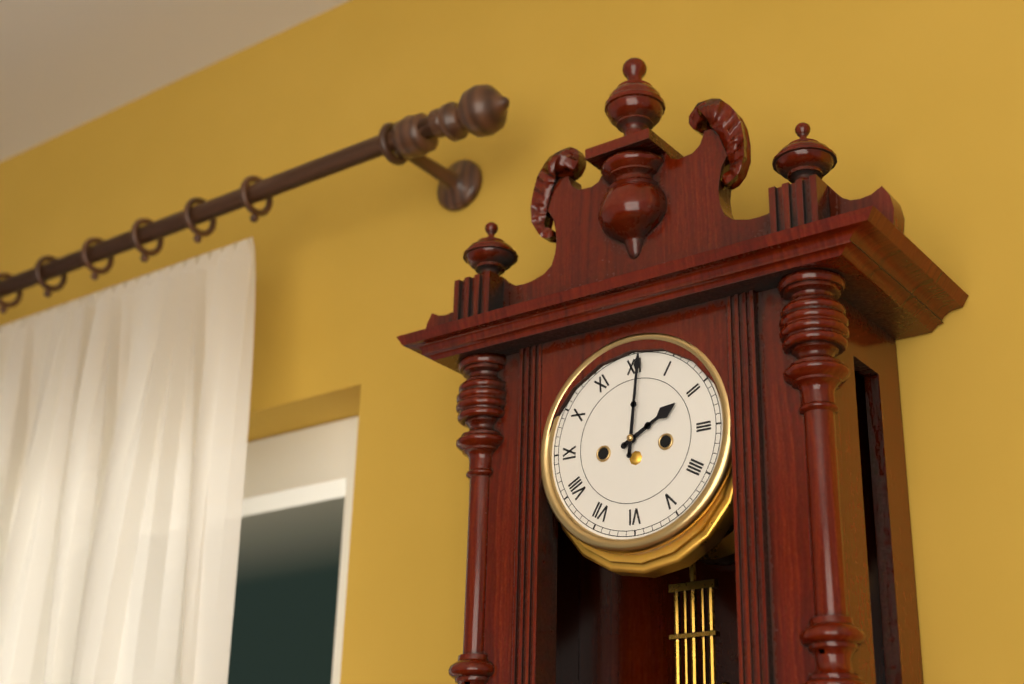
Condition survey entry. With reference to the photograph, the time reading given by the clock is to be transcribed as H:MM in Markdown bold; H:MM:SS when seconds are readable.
**2:01**
